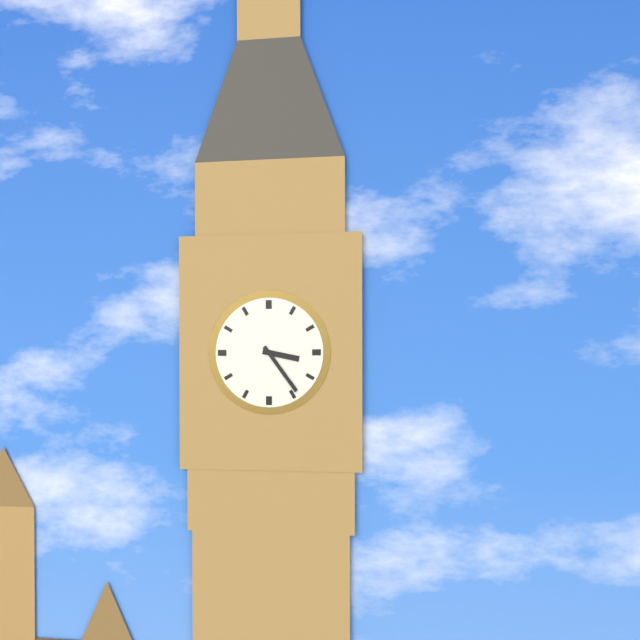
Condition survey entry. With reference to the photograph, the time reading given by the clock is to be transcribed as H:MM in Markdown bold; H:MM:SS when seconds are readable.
**3:24**
